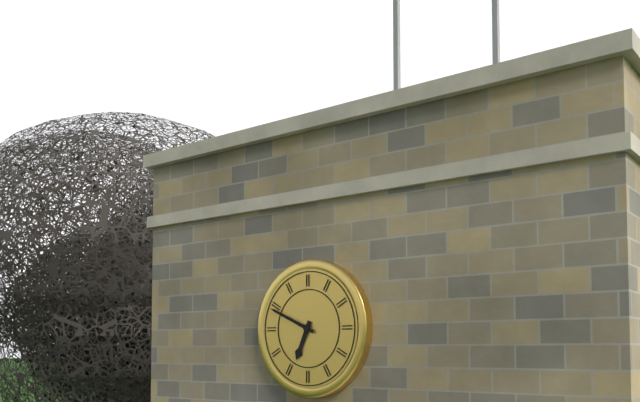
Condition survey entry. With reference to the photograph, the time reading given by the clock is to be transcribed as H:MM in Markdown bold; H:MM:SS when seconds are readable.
**6:49**
